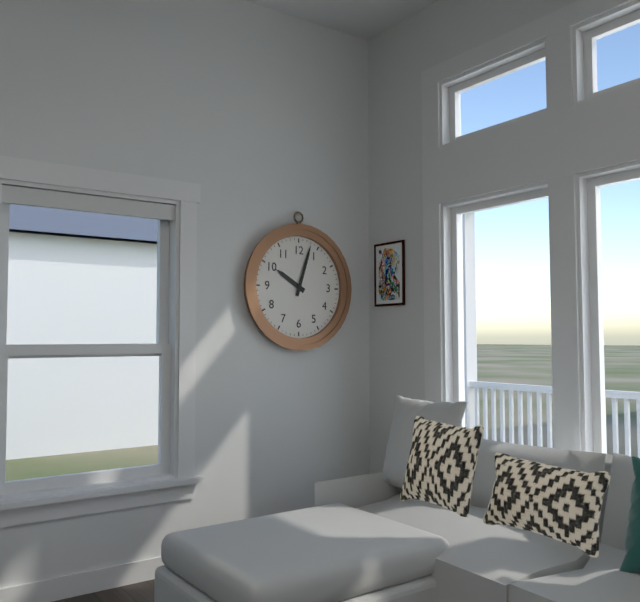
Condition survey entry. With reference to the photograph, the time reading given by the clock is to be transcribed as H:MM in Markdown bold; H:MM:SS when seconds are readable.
**10:03**
